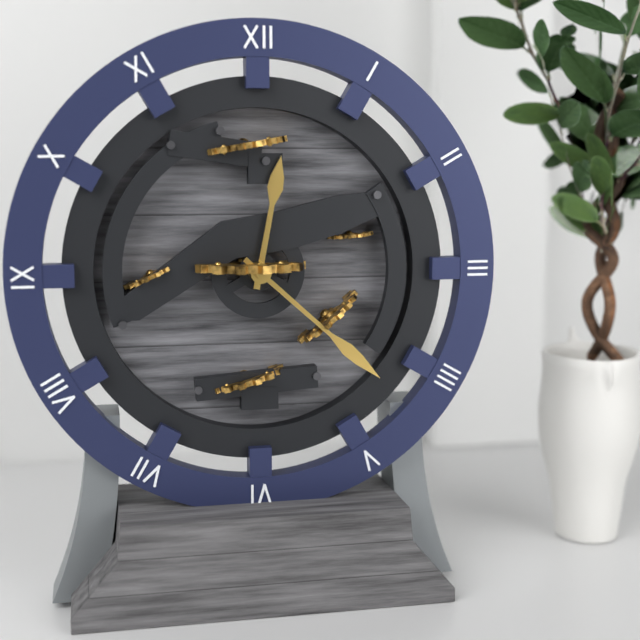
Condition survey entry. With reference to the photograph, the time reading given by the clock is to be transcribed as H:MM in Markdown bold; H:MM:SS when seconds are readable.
**12:22**
